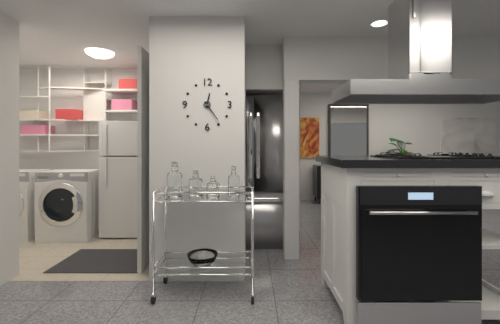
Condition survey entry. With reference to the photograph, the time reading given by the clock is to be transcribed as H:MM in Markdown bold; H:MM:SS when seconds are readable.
**12:24**
